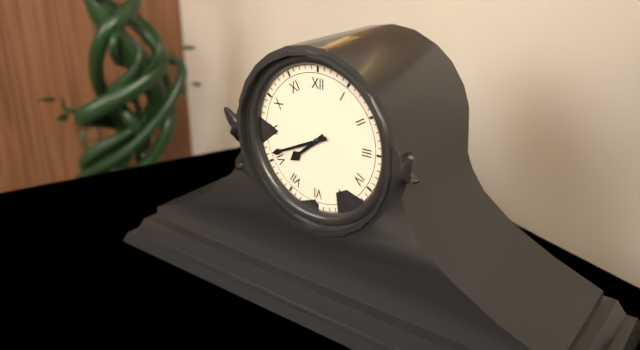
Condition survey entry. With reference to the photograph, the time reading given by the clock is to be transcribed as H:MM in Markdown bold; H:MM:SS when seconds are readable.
**7:41**
